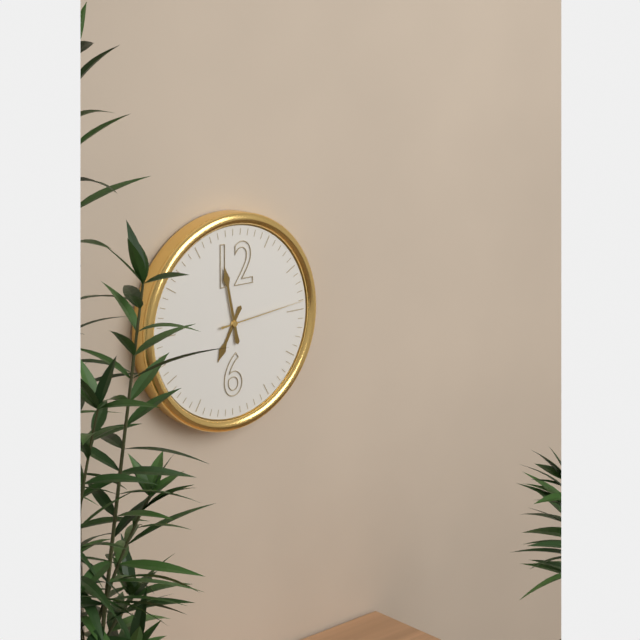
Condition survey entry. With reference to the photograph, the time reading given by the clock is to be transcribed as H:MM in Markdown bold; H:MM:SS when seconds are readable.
**6:58:14**
